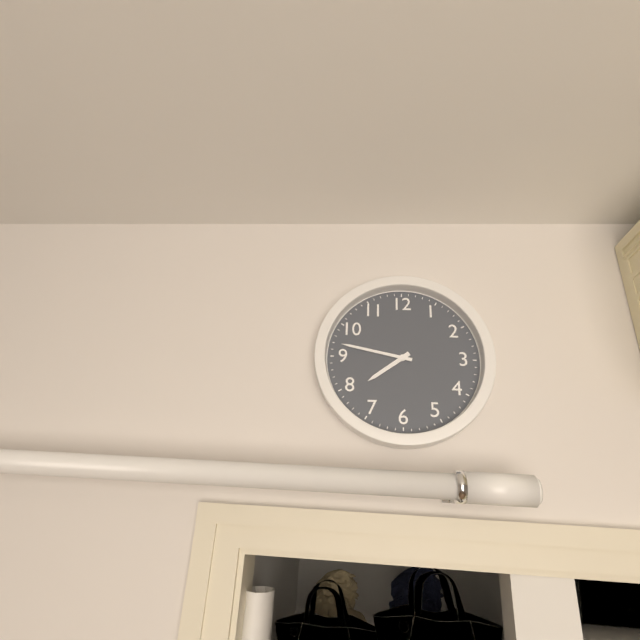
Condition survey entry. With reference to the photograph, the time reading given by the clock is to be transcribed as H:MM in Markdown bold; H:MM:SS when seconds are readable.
**7:47**
